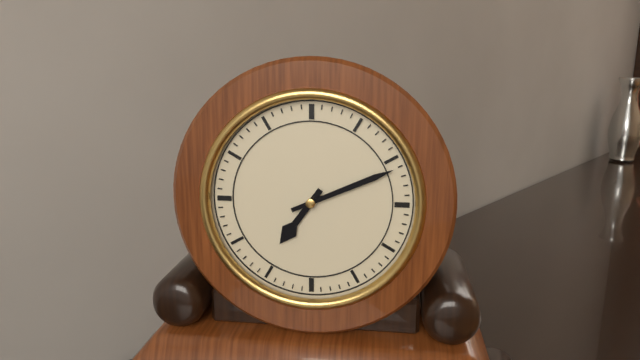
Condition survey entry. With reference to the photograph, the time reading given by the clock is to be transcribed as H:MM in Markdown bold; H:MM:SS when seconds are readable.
**7:11**
